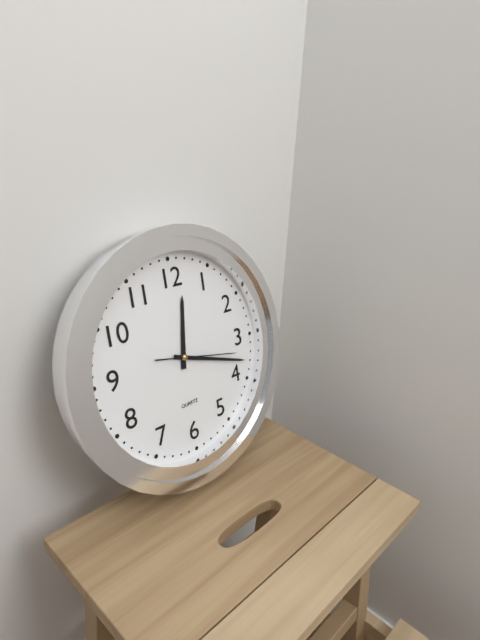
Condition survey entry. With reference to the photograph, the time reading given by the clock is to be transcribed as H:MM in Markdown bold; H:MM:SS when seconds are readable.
**12:18:17**
